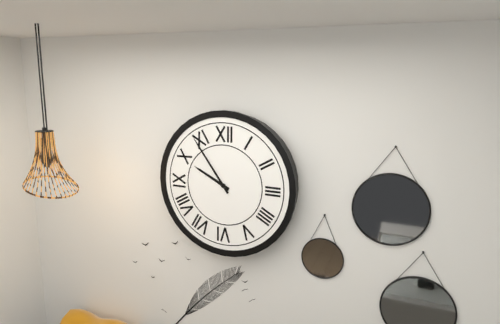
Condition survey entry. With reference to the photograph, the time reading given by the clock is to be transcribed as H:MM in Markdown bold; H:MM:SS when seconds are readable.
**9:54**
